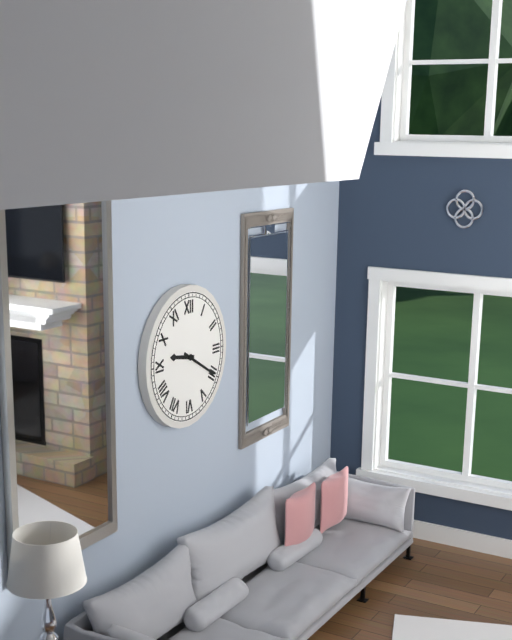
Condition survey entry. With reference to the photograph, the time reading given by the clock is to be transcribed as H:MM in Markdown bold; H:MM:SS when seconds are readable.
**9:20**
